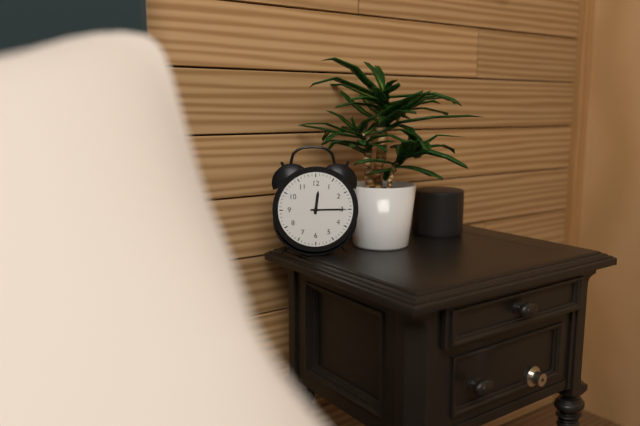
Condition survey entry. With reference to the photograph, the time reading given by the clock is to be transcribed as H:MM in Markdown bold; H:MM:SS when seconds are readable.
**12:15**
